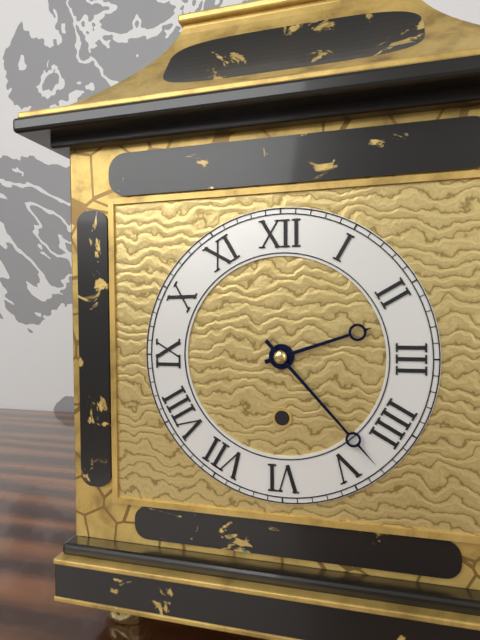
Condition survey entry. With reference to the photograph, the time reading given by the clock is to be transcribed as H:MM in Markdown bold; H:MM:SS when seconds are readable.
**2:23**
